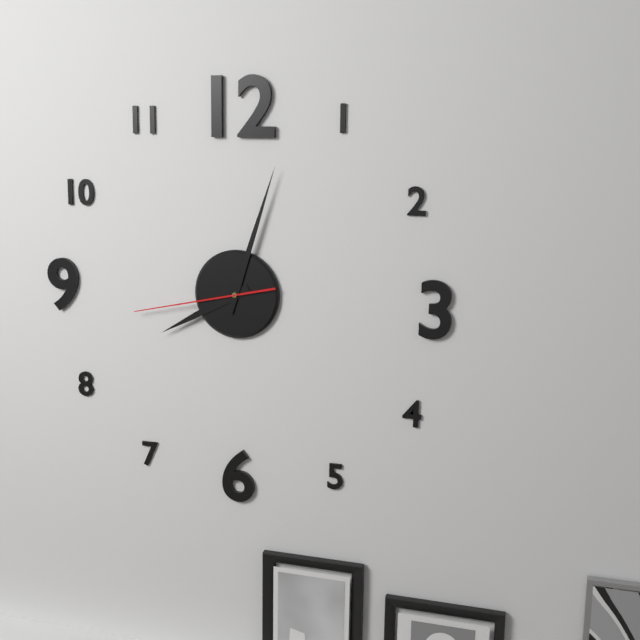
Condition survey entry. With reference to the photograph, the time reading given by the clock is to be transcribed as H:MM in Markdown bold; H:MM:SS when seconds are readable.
**8:03:43**
